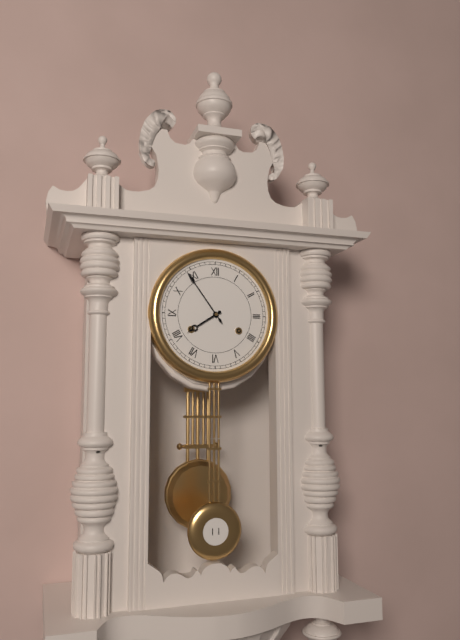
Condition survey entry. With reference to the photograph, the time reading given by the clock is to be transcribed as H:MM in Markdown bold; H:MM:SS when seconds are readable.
**7:54**
